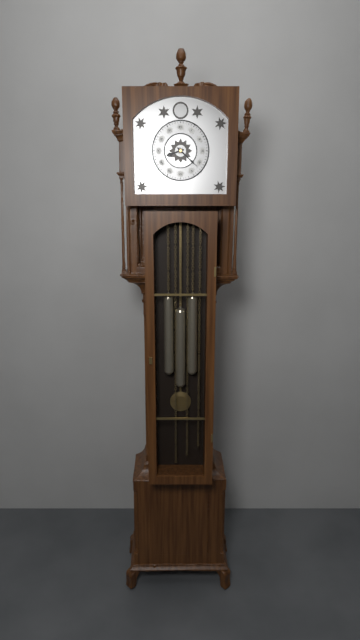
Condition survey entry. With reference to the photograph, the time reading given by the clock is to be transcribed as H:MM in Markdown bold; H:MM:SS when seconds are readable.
**8:22**
